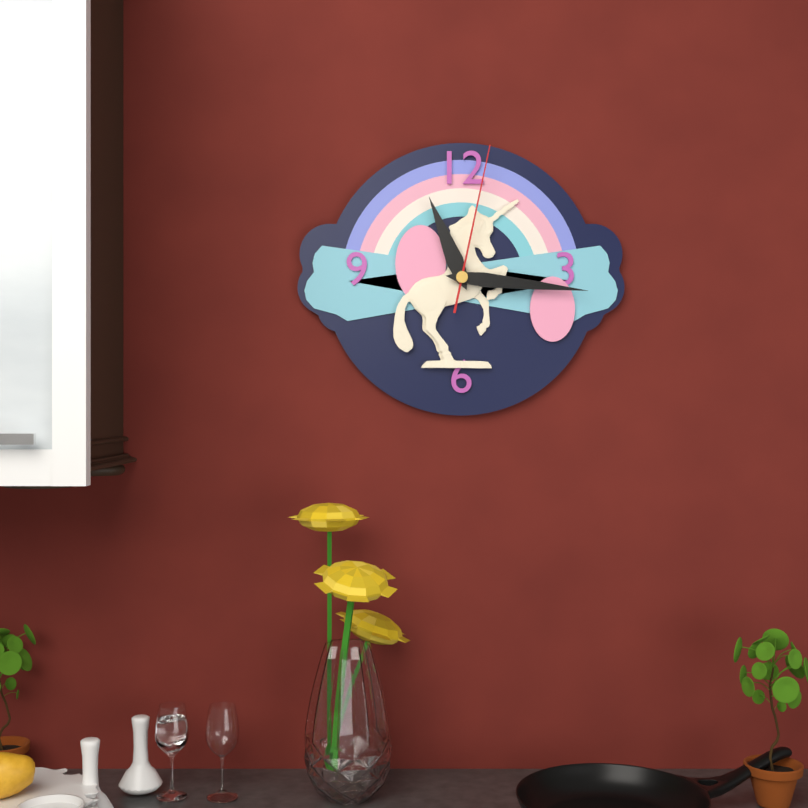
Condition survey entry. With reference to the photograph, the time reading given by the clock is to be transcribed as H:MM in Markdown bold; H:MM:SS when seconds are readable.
**11:16:02**
